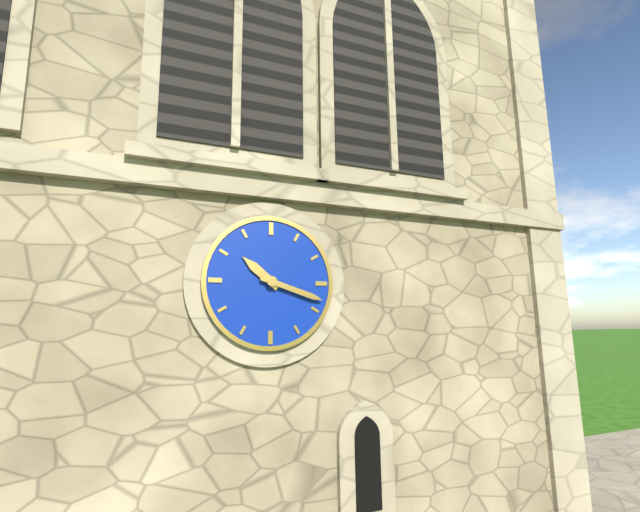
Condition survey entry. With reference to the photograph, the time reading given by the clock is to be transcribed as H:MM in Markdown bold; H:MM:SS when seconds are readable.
**10:18**
